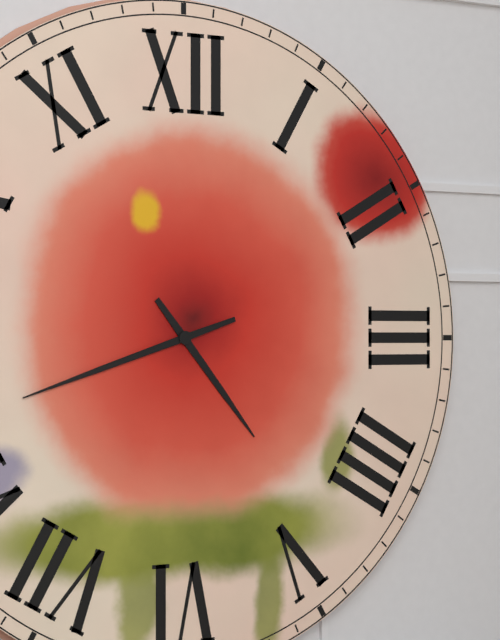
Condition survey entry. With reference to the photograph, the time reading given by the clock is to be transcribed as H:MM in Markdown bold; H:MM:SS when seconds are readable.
**4:42**
